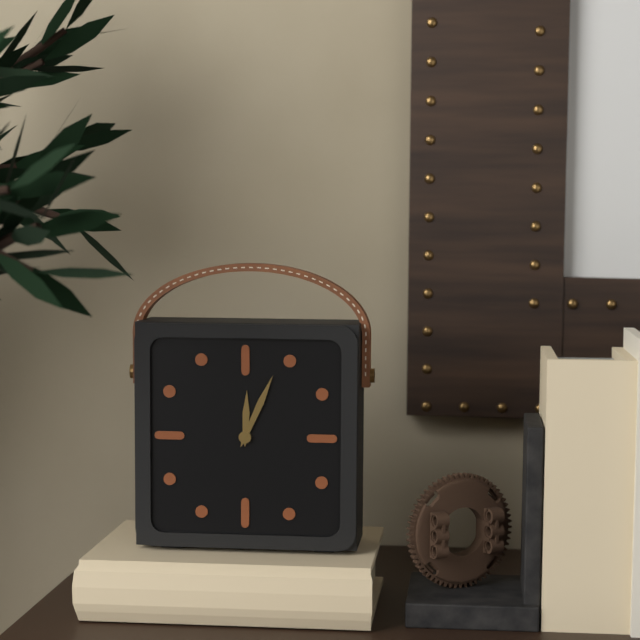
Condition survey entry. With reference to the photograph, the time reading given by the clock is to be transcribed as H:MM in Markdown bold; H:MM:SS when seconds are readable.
**12:04**
